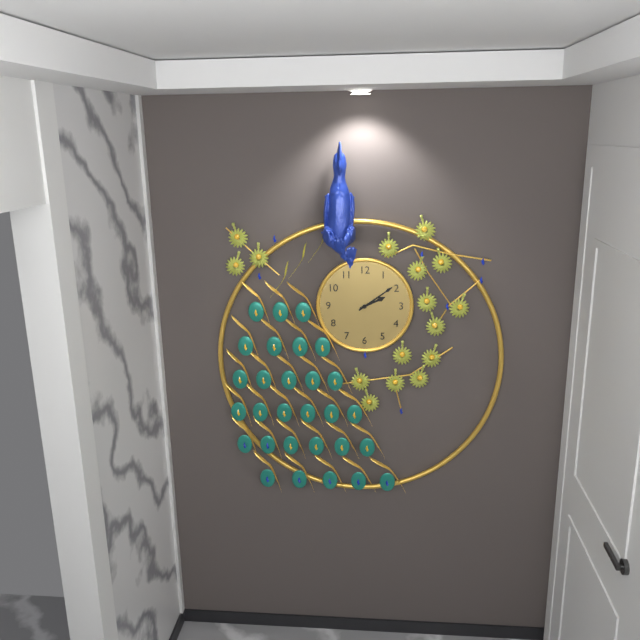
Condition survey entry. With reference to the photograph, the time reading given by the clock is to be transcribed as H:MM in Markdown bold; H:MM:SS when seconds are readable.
**2:09**
